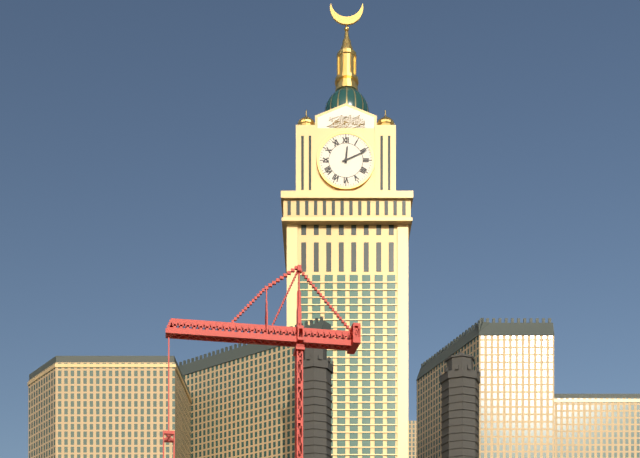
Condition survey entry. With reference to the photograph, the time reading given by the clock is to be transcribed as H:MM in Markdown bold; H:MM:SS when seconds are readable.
**12:11**
